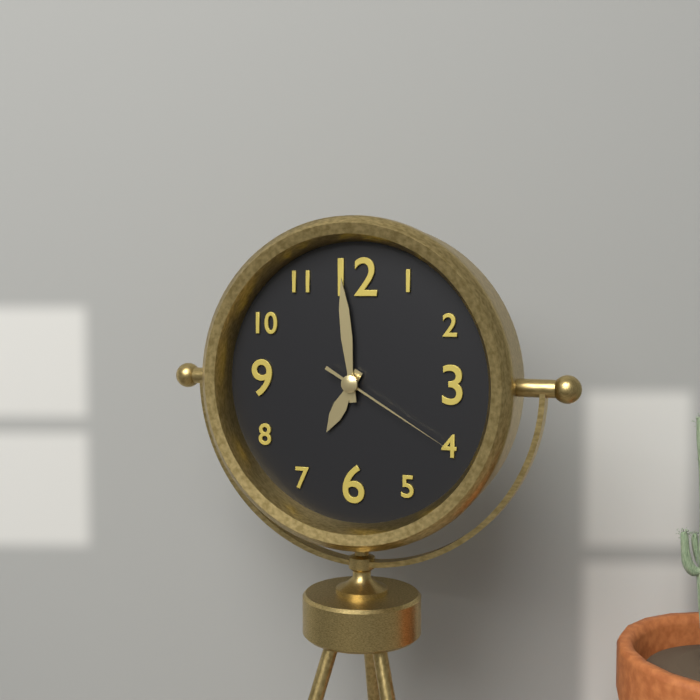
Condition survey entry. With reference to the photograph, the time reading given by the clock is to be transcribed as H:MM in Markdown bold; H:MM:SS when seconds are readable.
**6:59:20**
